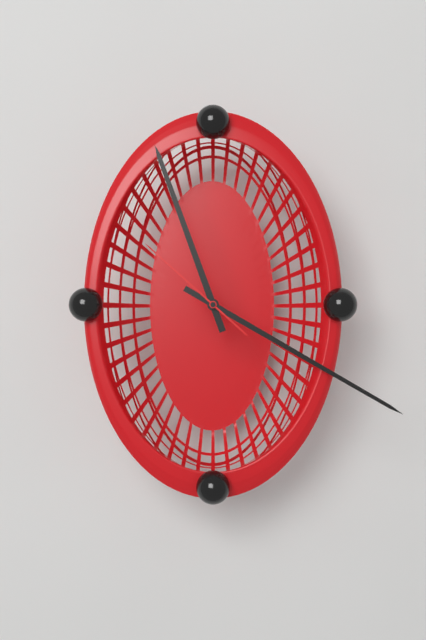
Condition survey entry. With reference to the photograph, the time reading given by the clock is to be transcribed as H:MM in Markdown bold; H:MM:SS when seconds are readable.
**11:20:52**
